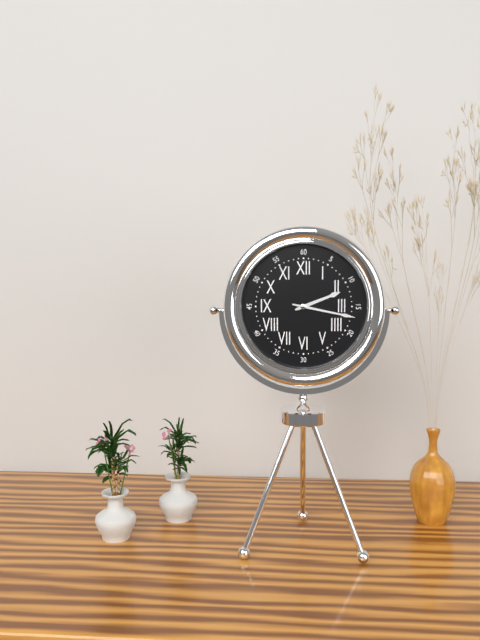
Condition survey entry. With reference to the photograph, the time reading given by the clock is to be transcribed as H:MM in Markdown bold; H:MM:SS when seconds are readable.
**2:17**
